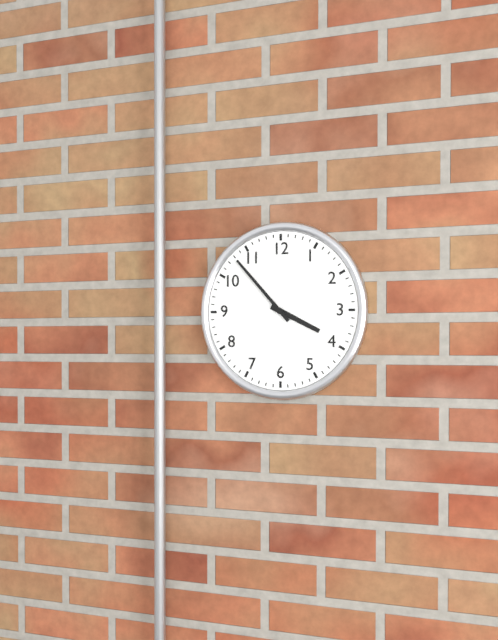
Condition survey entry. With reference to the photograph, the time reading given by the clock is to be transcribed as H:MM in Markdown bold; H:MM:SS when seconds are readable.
**3:53**
